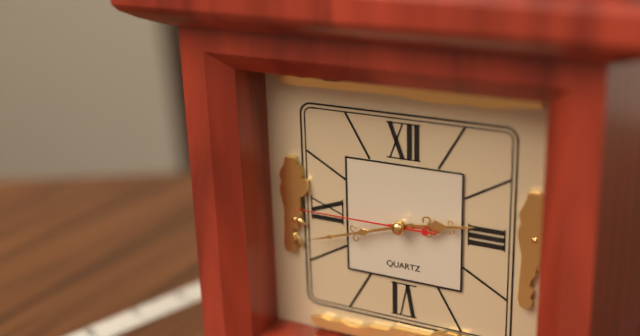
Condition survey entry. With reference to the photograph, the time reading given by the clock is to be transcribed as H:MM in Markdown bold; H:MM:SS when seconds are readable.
**2:42:45**
